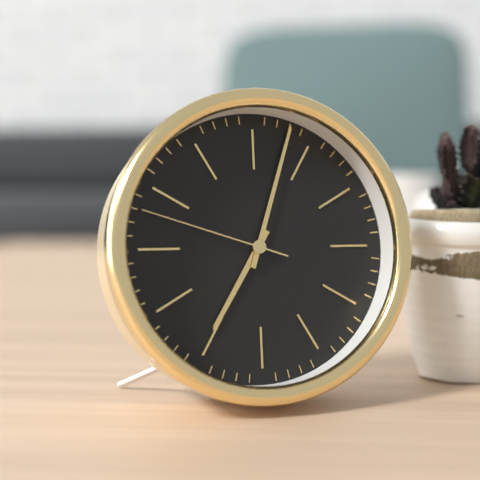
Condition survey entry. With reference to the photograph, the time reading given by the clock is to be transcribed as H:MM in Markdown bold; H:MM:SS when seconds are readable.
**7:03:48**
